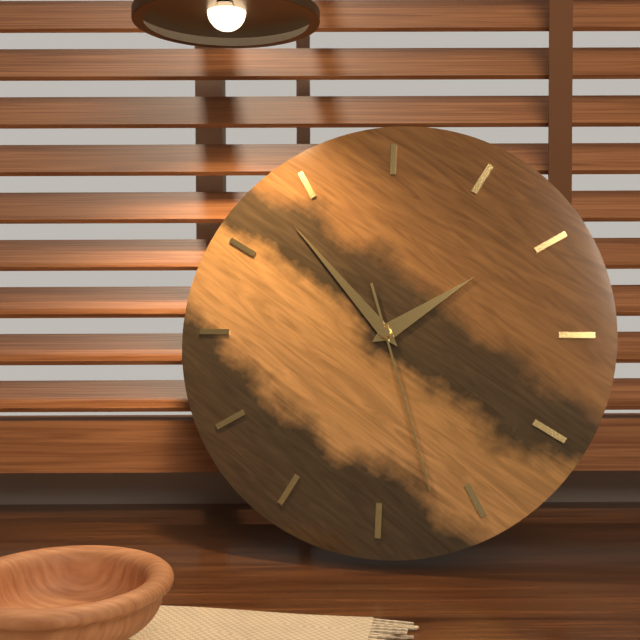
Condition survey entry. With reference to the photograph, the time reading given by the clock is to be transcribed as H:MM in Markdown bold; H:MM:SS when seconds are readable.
**1:53:27**
